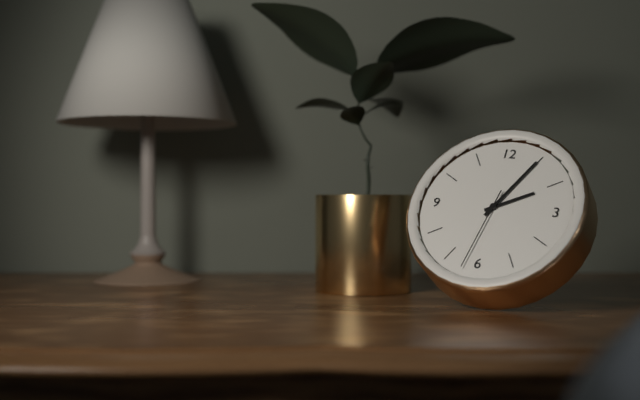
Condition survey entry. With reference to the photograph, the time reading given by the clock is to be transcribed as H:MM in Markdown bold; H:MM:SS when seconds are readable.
**2:05:32**
